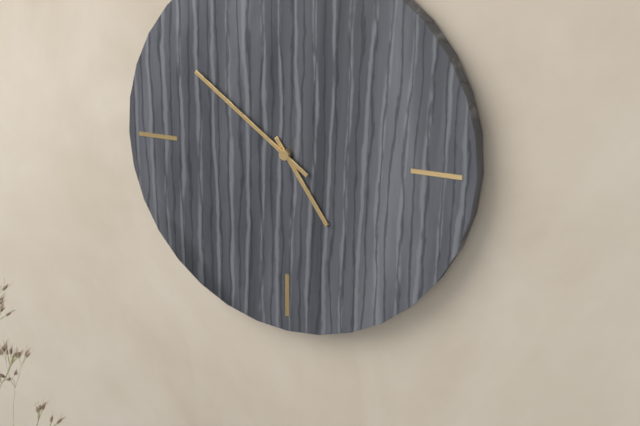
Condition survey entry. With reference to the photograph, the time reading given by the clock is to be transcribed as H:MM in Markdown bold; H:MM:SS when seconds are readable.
**4:51**
